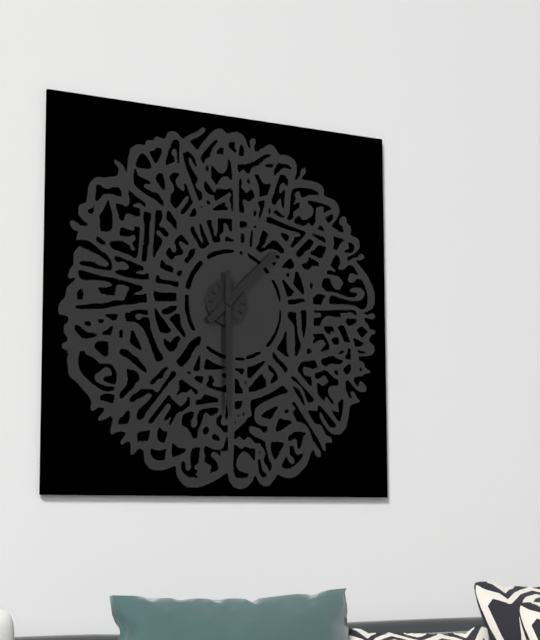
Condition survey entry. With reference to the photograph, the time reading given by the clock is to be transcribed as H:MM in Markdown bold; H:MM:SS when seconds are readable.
**1:30**
